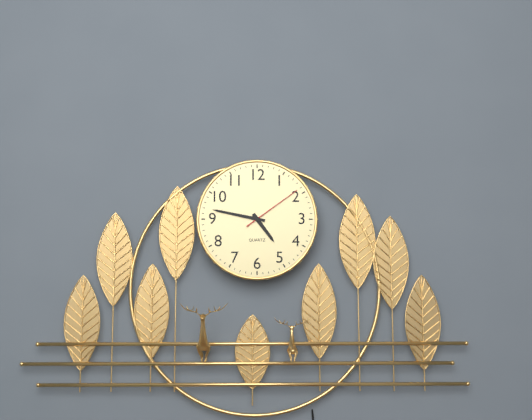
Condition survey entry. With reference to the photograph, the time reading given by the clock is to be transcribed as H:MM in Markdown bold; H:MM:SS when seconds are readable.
**4:47:09**
